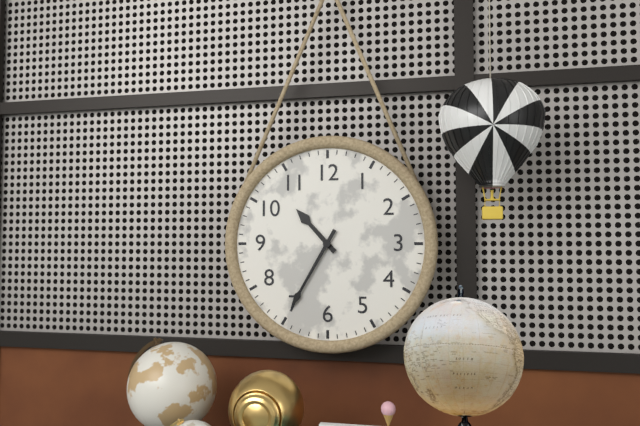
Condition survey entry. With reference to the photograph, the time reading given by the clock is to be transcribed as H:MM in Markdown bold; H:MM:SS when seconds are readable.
**10:35**
